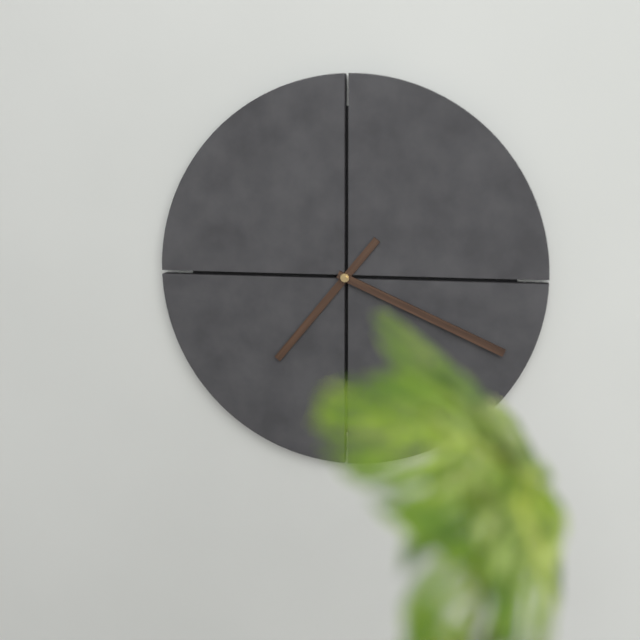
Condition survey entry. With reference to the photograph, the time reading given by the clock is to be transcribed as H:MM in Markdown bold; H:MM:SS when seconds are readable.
**7:19**
